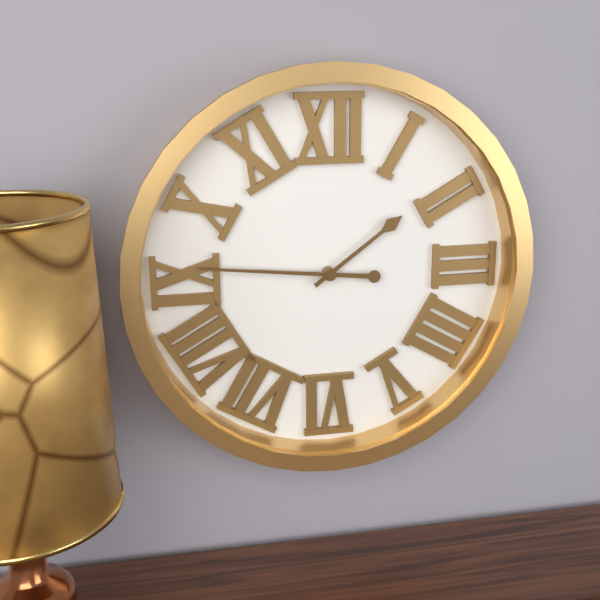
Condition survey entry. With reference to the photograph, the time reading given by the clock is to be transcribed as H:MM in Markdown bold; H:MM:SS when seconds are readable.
**1:46**
